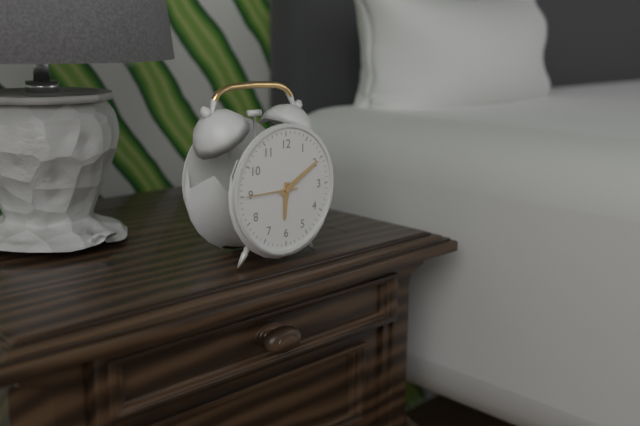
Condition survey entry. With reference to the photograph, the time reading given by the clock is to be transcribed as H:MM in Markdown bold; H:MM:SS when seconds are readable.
**6:10:45**
